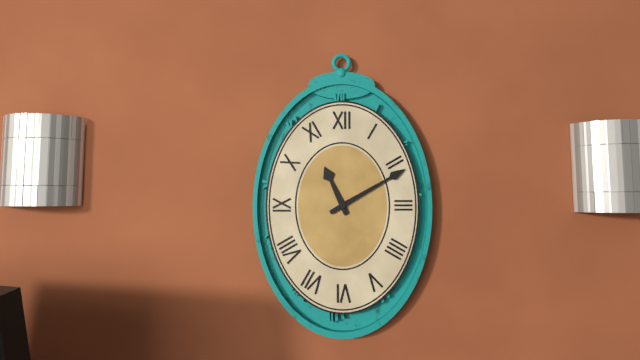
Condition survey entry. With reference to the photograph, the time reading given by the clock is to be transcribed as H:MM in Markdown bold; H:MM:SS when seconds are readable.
**11:10**
